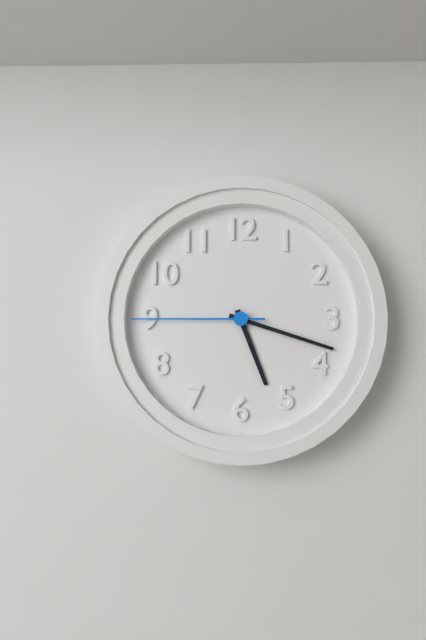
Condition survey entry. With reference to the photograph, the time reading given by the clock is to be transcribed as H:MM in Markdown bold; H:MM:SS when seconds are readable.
**5:18:45**
